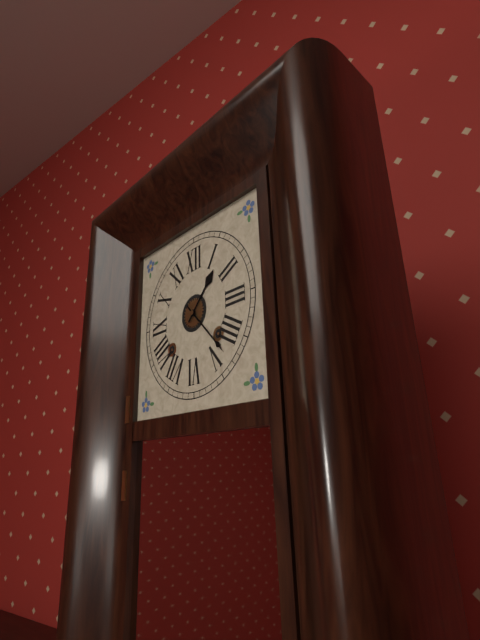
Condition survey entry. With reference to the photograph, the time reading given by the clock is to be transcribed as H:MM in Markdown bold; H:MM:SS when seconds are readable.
**1:23**
